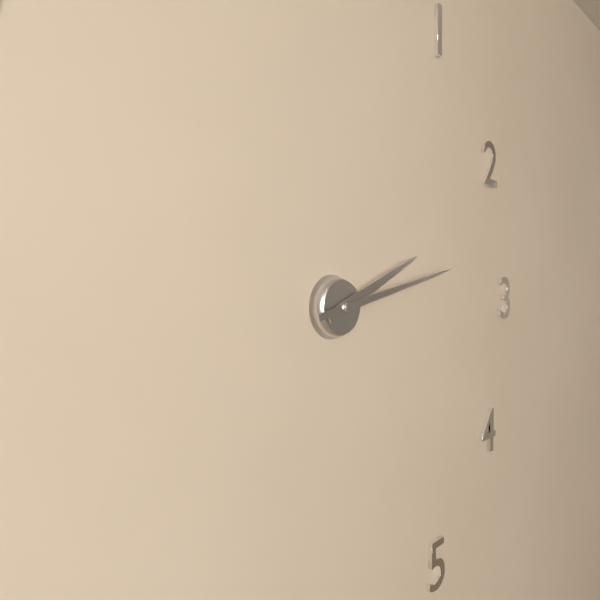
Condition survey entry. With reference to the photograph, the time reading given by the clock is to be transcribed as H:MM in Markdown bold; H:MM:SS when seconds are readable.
**2:13**
